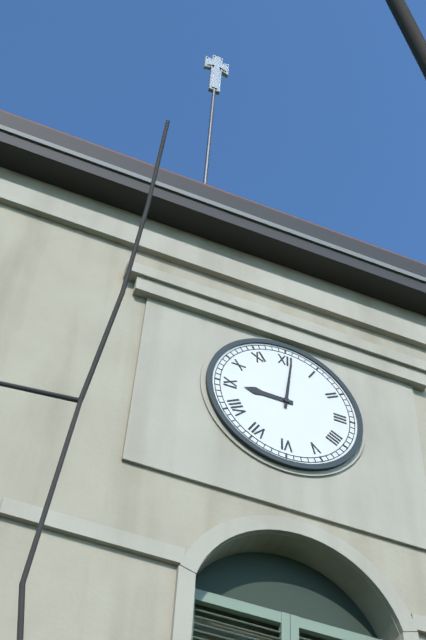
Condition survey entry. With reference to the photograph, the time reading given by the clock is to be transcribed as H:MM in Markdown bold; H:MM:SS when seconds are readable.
**9:01**
